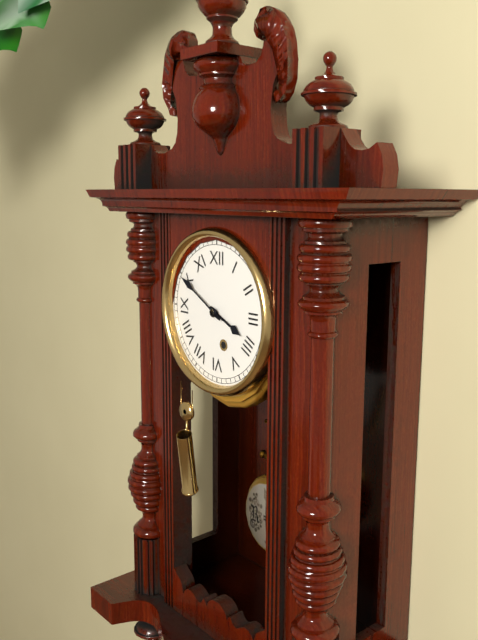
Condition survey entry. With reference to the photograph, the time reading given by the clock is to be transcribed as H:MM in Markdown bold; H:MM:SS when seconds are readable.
**3:50**
